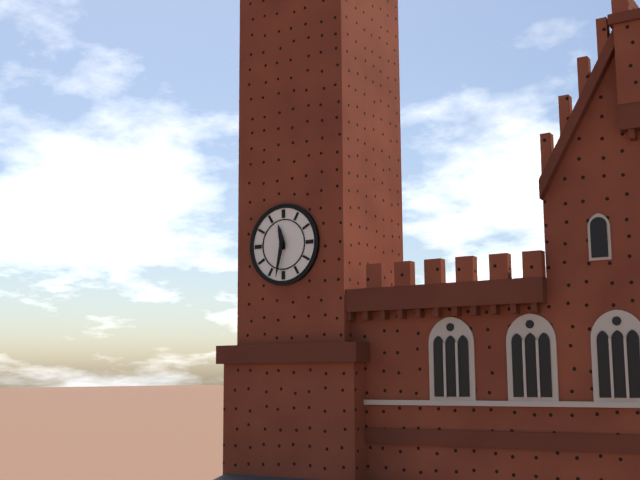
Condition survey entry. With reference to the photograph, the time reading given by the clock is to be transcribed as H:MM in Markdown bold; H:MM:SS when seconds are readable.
**11:32**
